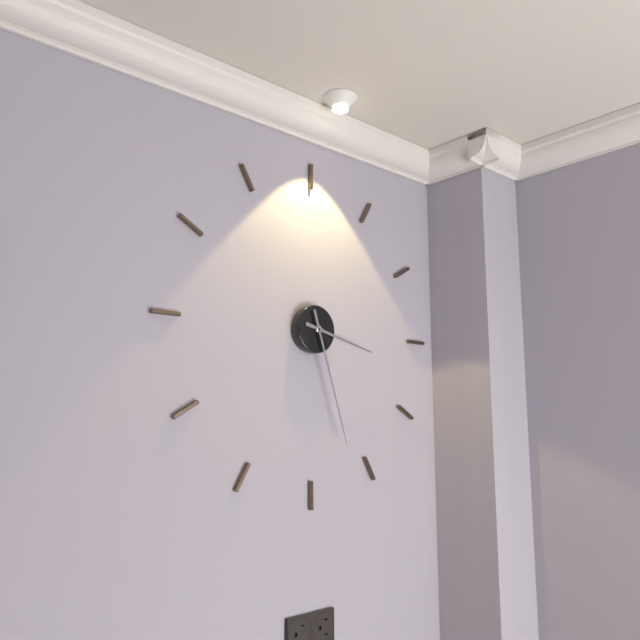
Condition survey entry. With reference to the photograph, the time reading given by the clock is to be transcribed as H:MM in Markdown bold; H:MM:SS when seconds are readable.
**3:27**
